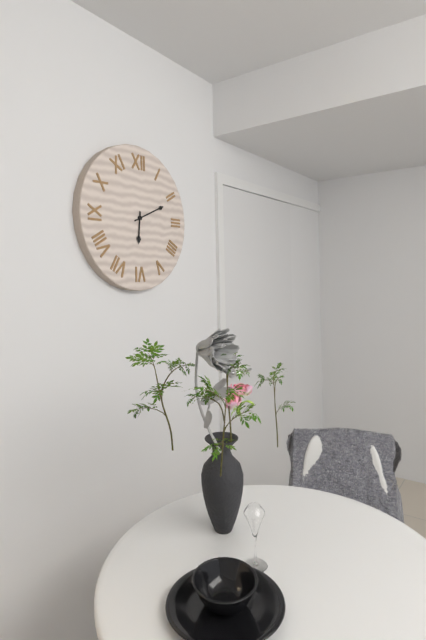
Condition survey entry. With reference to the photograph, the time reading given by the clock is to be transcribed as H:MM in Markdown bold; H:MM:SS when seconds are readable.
**6:11**
